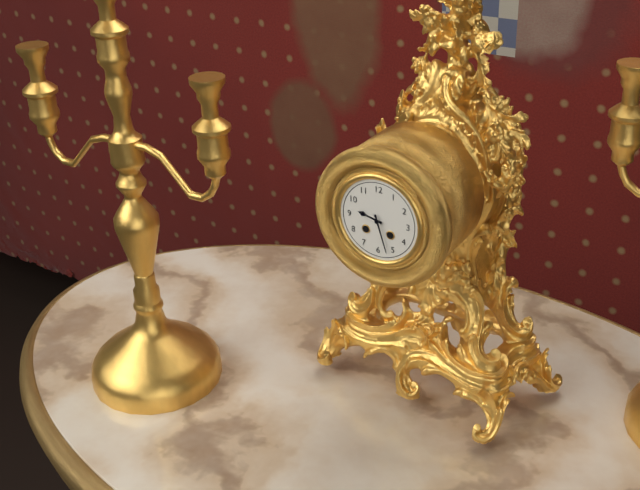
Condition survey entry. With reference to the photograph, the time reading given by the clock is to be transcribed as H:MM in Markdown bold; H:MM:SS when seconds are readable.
**9:27**
